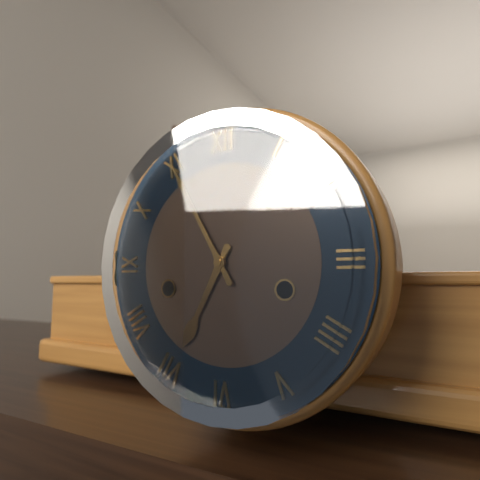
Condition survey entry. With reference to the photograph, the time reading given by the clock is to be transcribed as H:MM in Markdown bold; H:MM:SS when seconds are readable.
**6:55**
